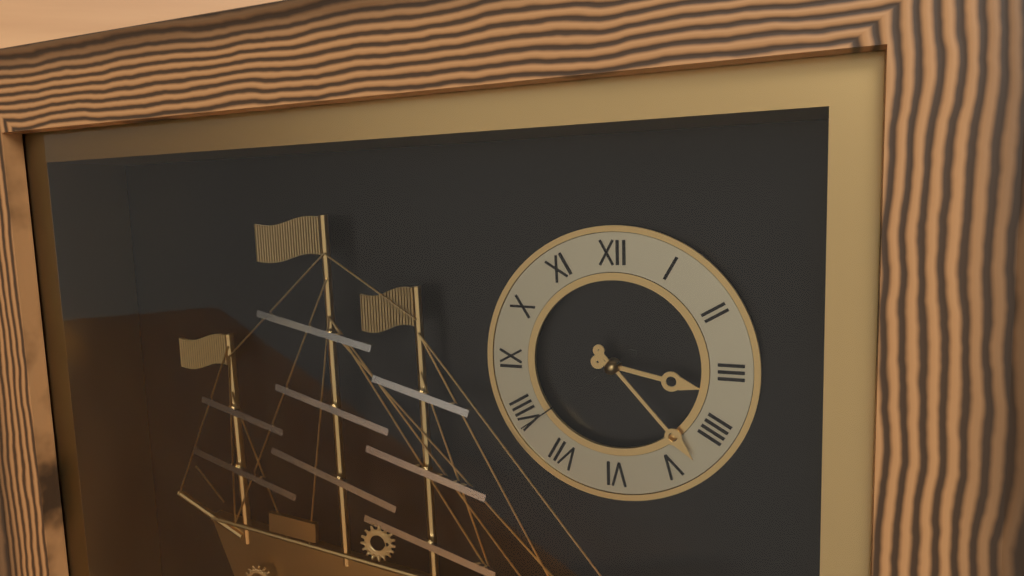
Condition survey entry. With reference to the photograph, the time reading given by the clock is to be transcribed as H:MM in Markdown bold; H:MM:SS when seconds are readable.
**3:23:39**
